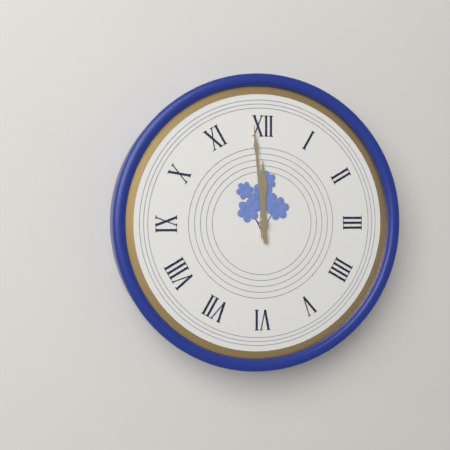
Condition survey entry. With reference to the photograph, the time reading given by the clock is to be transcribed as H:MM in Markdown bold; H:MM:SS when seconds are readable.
**11:59**
